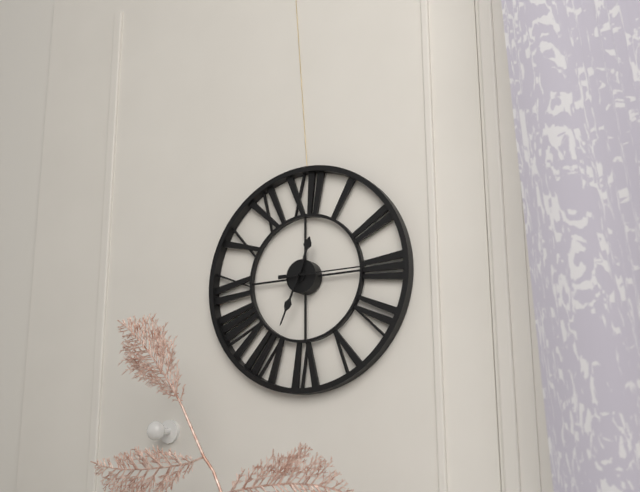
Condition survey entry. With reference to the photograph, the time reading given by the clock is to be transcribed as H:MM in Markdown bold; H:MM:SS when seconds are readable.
**12:34:15**
